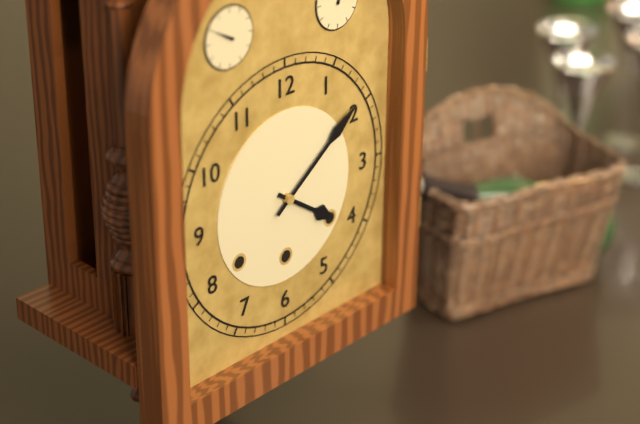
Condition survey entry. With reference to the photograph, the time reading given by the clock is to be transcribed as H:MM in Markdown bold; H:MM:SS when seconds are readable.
**4:09**
